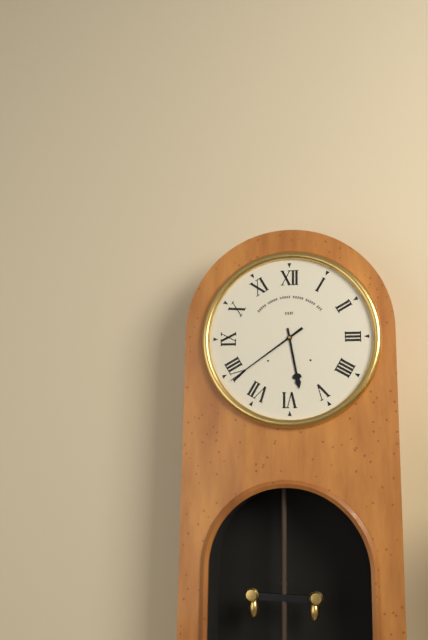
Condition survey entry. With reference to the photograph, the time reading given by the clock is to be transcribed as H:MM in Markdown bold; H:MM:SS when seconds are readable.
**5:39**
